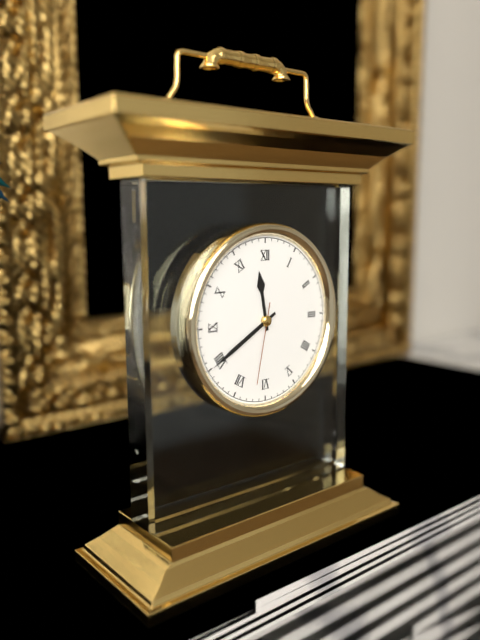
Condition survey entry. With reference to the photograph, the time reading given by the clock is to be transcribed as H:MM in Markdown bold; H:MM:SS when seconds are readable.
**11:40:32**
